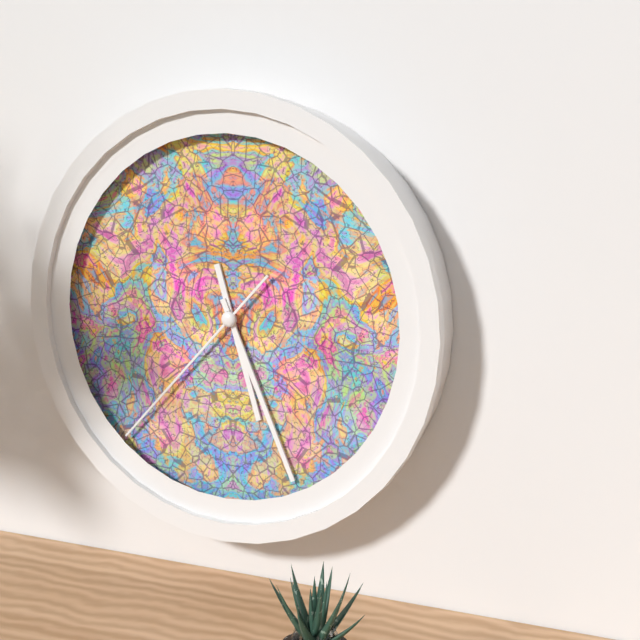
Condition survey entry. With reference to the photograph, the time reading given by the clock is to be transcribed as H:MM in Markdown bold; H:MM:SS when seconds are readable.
**5:26:37**
